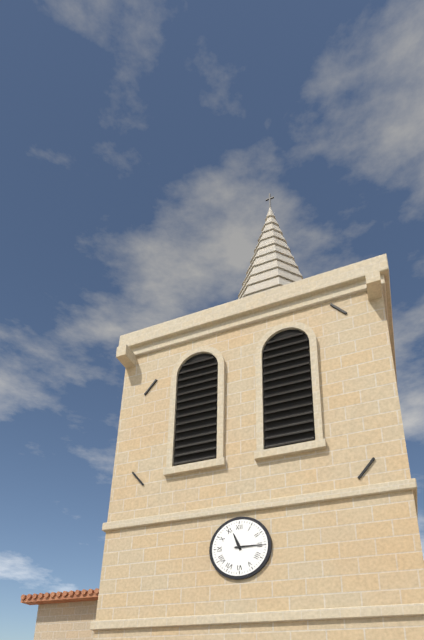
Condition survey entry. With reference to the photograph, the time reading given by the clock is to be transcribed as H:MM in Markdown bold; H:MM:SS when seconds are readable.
**11:15**
